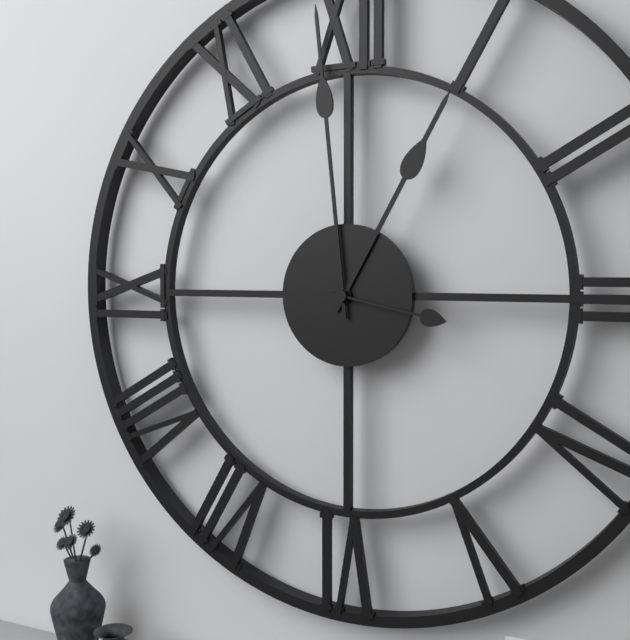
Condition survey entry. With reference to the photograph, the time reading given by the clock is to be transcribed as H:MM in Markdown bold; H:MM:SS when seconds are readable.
**12:59:17**
